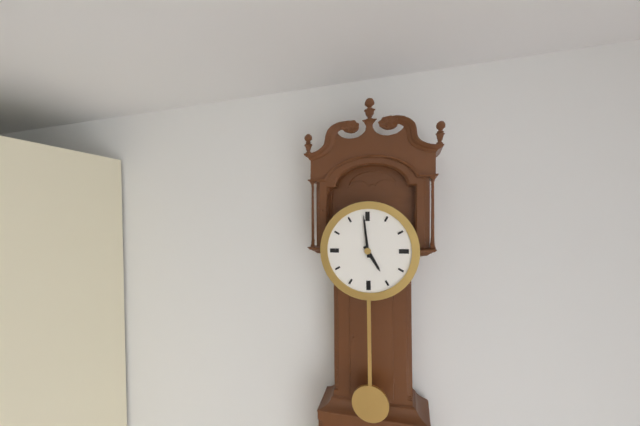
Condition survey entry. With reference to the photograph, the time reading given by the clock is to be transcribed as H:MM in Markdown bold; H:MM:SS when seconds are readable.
**4:59**
